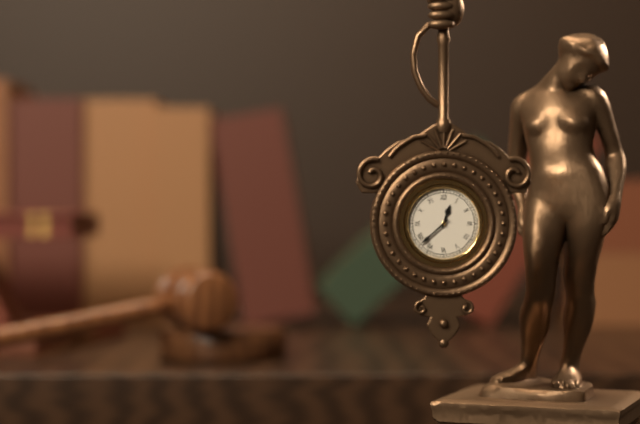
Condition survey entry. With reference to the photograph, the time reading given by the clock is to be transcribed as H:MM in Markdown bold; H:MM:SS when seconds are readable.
**12:38**
